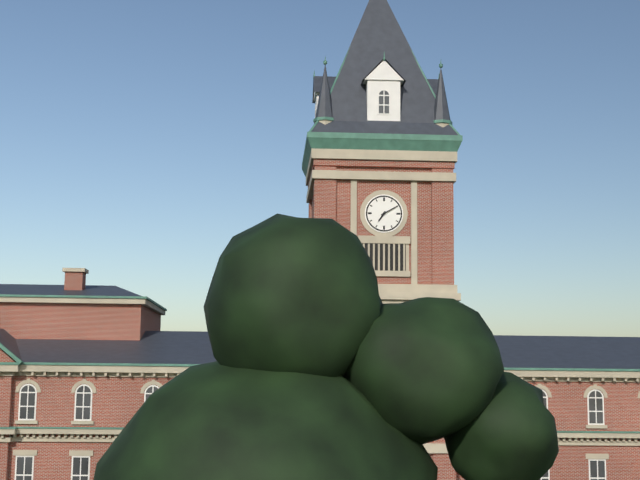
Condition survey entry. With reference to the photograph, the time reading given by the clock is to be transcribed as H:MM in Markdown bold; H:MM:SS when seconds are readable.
**7:10**
